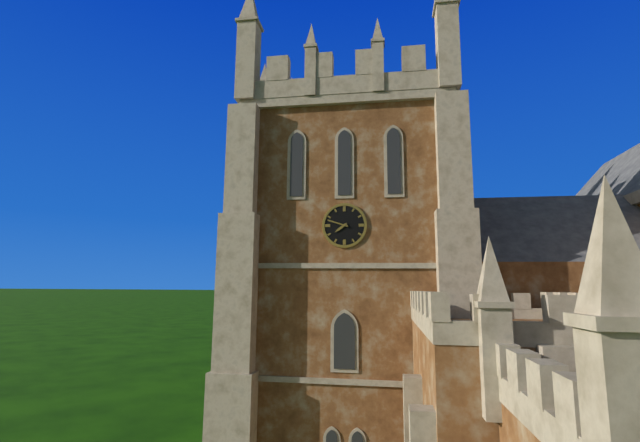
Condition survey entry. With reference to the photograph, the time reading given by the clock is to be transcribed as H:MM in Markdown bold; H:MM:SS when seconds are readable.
**7:48**
